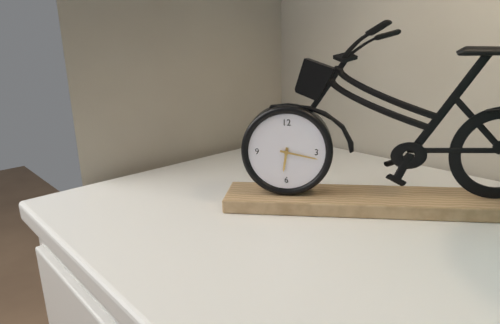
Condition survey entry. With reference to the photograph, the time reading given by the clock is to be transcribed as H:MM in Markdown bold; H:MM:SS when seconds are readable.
**6:17**
